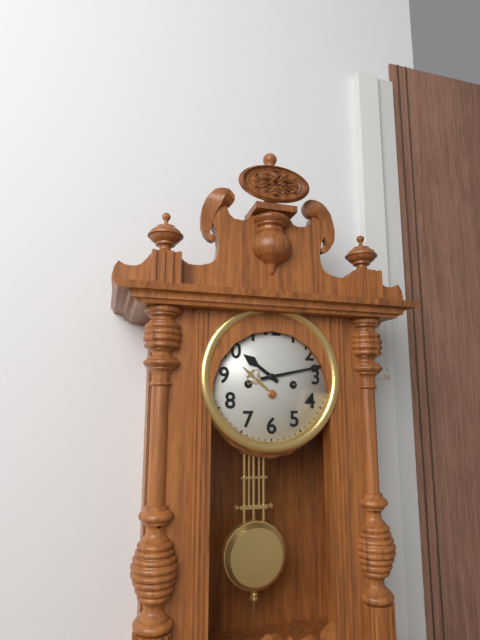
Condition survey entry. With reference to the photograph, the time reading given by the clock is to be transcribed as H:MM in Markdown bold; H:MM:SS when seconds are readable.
**10:13**
